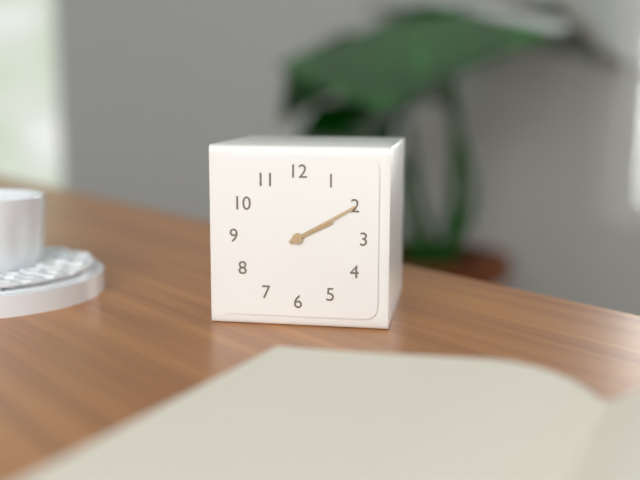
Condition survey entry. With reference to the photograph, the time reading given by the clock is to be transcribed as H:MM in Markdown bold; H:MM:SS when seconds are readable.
**2:10**
